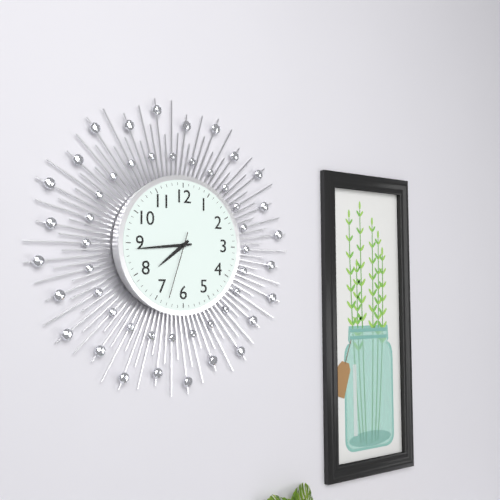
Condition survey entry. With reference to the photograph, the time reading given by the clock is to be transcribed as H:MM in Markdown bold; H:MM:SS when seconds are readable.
**7:44:33**
